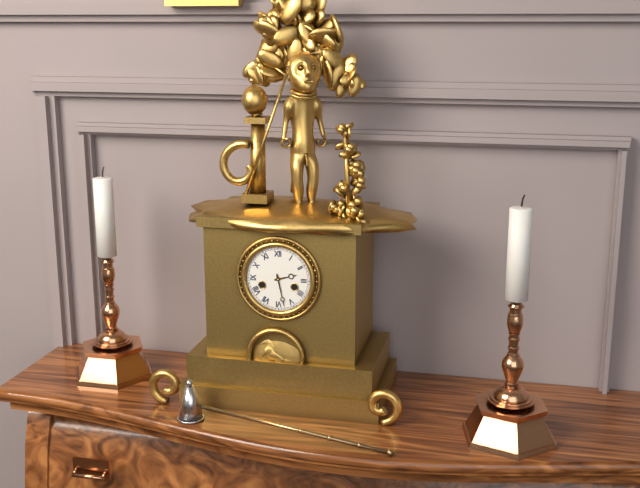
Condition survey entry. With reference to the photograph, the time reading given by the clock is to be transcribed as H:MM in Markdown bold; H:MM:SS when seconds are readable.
**2:28**
